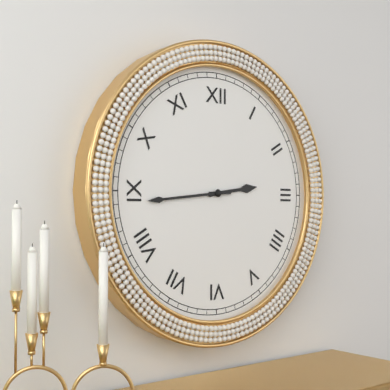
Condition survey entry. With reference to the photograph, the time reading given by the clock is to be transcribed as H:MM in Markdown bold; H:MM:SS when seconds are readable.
**2:44**
